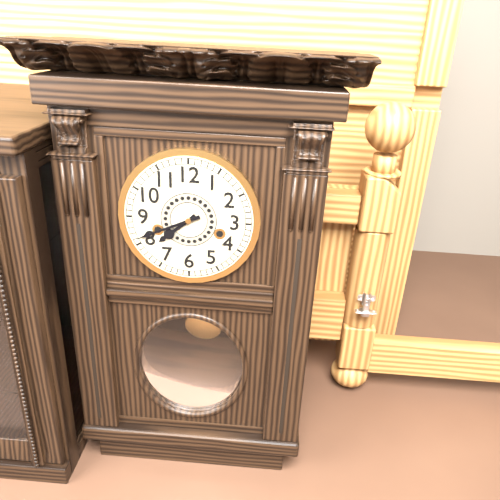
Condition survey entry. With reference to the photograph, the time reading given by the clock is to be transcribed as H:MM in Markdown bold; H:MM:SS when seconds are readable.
**7:41**
